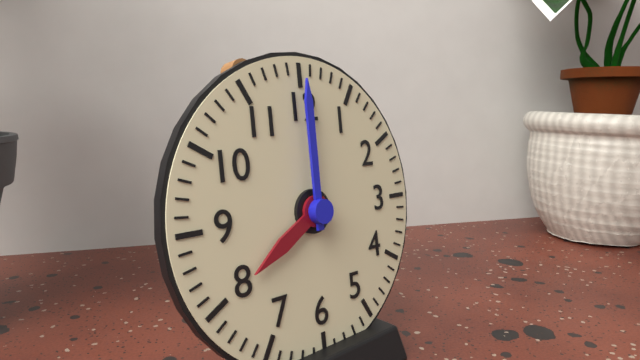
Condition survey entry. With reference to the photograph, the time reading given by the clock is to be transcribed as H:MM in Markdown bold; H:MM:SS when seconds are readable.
**8:00**
